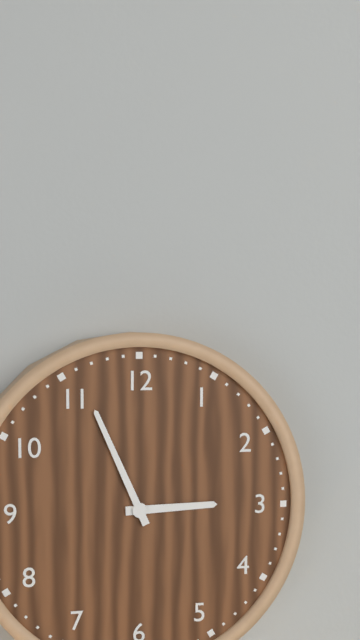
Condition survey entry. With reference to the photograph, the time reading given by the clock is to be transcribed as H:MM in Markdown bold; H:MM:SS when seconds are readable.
**2:56**
